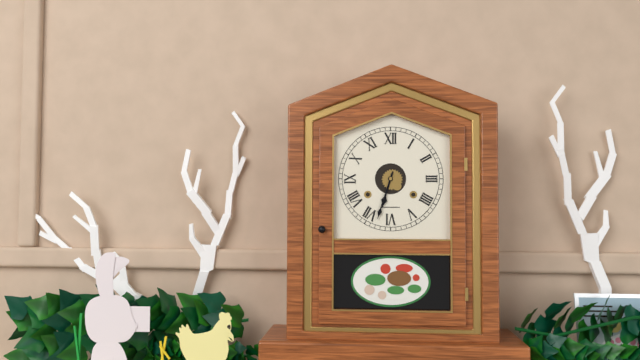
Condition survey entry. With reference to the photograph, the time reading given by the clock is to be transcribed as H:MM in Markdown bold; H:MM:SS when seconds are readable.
**6:33**
